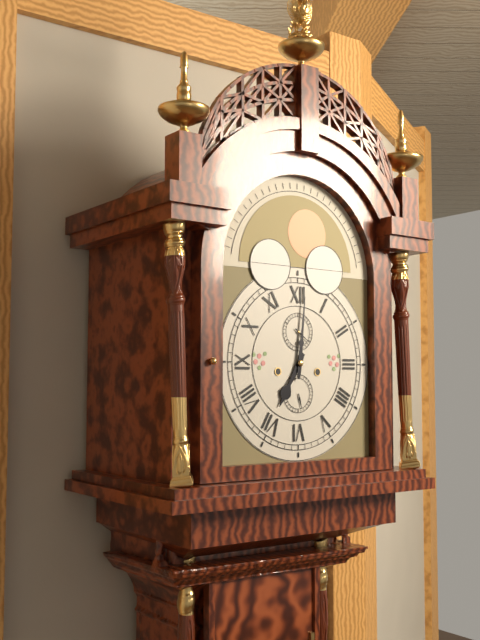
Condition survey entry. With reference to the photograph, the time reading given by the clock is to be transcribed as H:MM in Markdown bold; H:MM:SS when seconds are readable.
**7:01**
